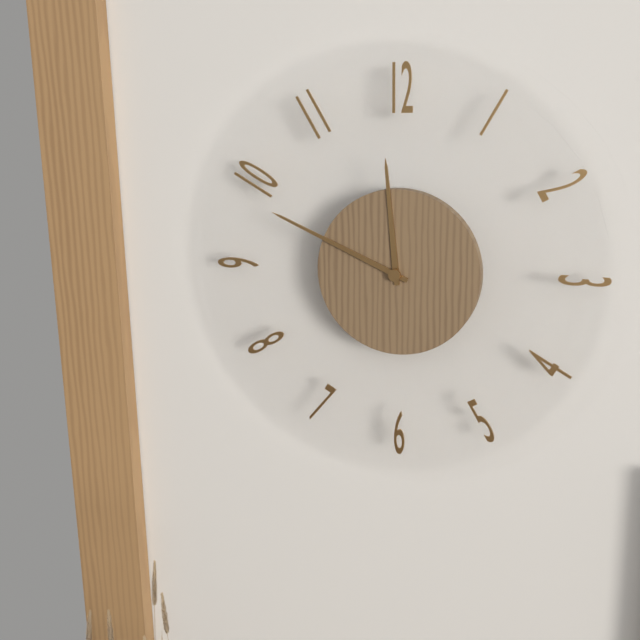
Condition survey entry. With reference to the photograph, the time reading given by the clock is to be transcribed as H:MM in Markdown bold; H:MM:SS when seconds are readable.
**11:49**
